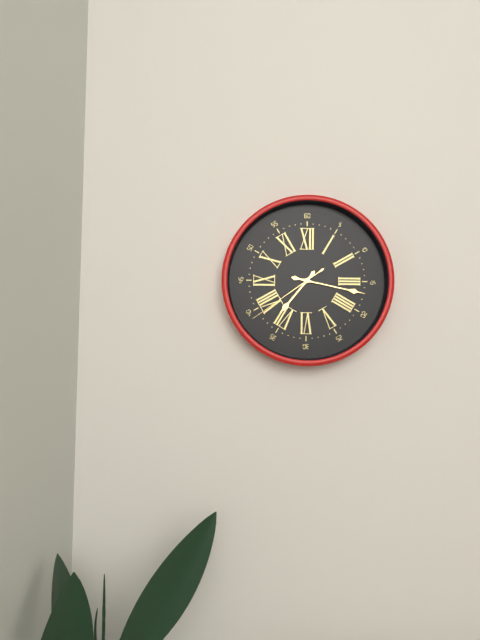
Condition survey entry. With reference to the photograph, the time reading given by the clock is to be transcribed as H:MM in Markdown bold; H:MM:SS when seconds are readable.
**7:17:39**
